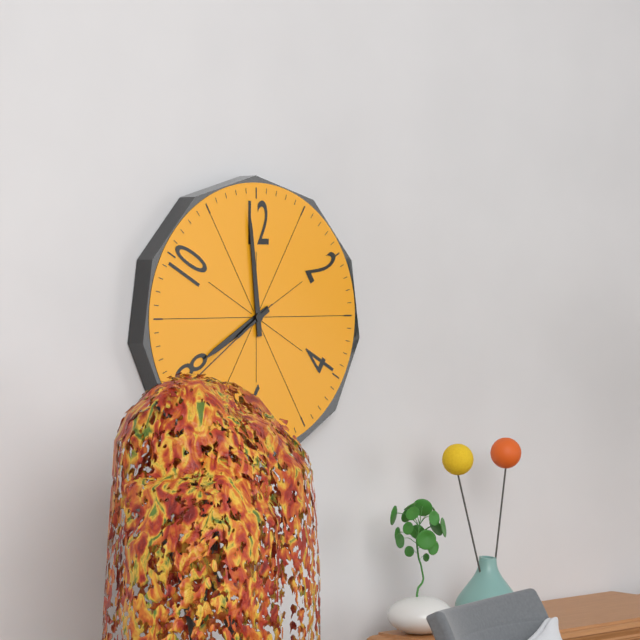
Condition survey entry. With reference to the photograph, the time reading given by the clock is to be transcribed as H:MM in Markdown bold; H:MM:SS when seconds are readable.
**7:59:39**
